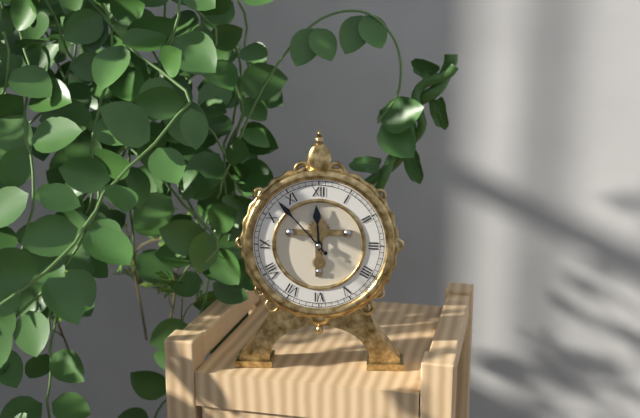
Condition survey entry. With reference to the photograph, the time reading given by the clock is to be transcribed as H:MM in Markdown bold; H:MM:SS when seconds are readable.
**11:53**
